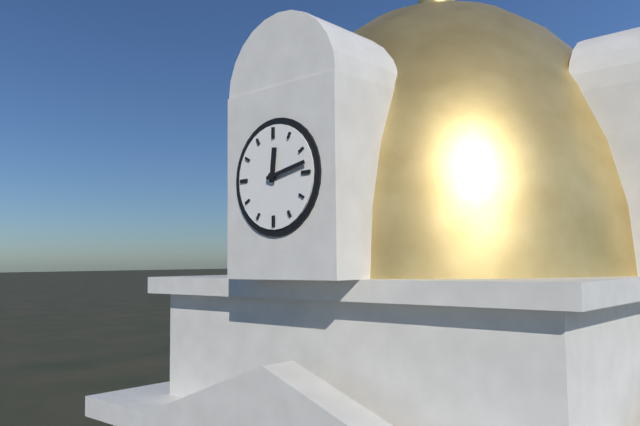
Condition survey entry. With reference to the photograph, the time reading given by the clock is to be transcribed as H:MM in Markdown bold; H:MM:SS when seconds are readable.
**12:13**
